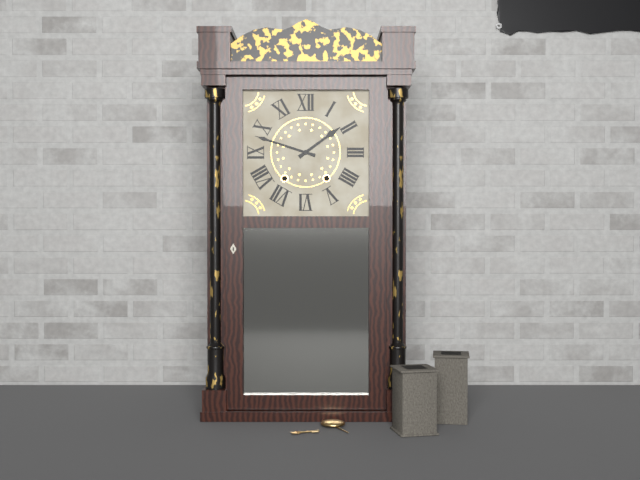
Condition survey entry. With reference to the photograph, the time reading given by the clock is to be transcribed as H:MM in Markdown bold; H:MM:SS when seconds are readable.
**1:48**
